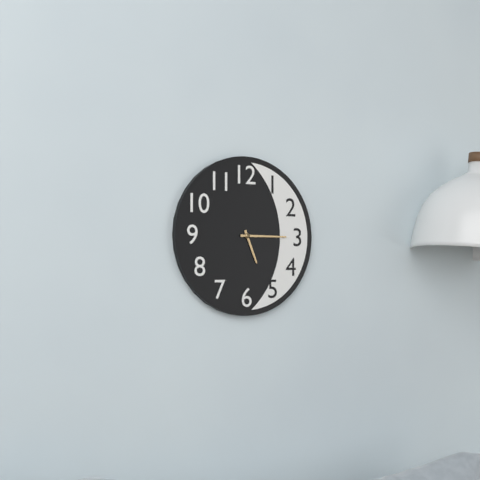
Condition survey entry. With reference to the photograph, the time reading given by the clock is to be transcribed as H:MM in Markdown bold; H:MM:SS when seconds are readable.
**5:15**
